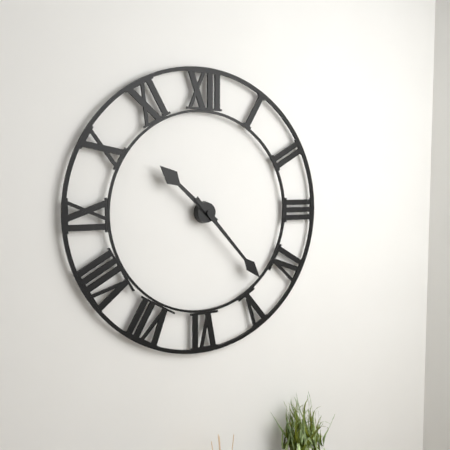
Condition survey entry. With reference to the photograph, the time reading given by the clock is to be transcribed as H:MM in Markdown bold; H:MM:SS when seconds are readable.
**10:23**
